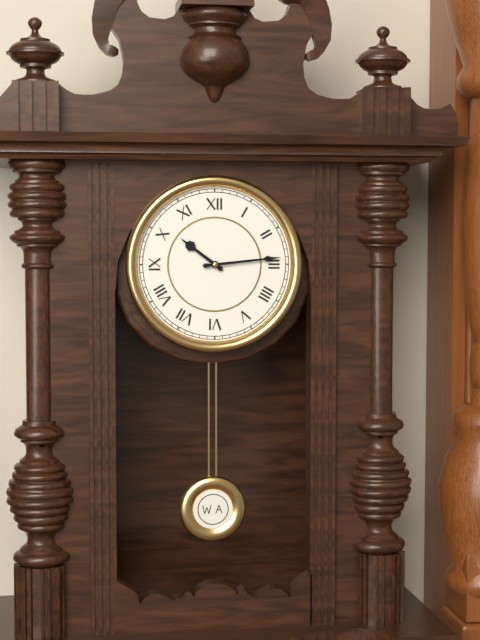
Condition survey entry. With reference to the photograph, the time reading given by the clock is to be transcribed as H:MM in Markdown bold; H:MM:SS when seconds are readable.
**10:14**
